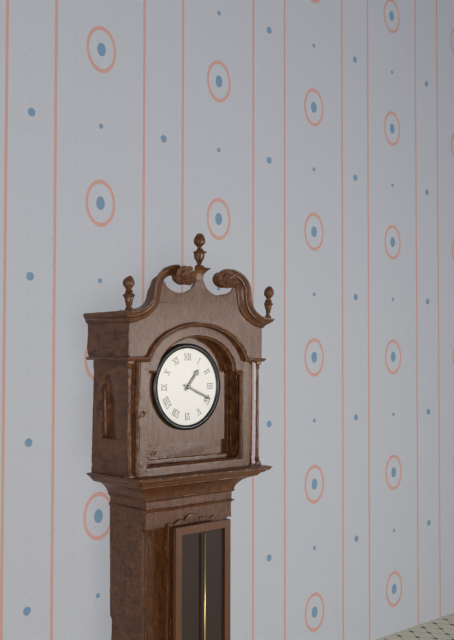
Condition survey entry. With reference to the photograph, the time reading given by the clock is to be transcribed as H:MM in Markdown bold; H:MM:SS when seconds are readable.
**1:19**
